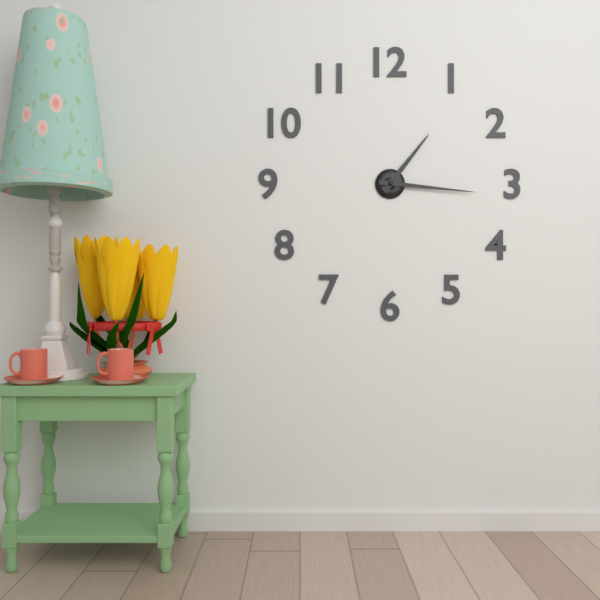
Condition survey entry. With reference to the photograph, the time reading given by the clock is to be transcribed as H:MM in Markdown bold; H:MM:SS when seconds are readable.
**1:16**
